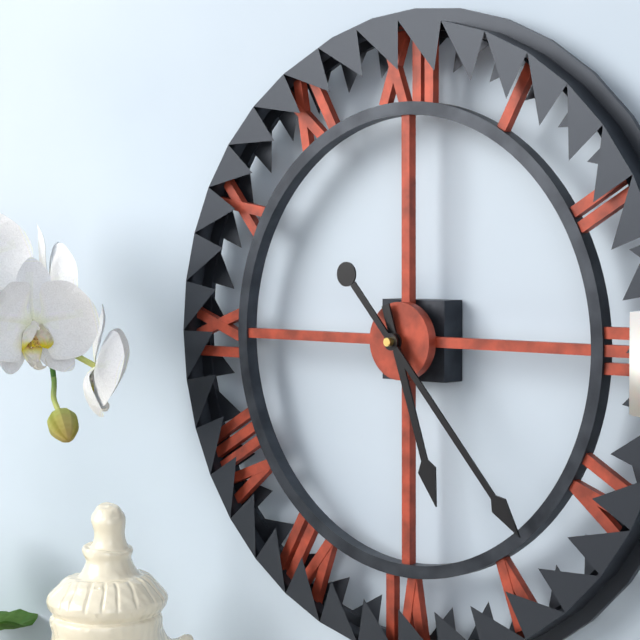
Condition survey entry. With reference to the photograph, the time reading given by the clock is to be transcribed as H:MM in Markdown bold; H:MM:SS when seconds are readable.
**5:23**
